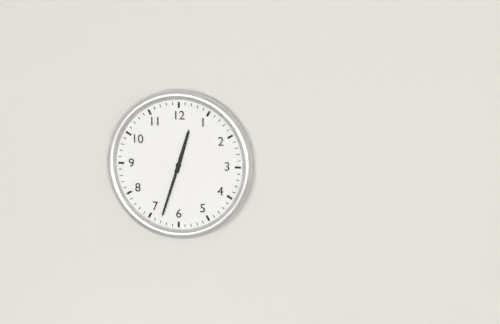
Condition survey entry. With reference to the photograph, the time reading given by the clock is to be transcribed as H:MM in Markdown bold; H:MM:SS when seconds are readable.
**12:33**
